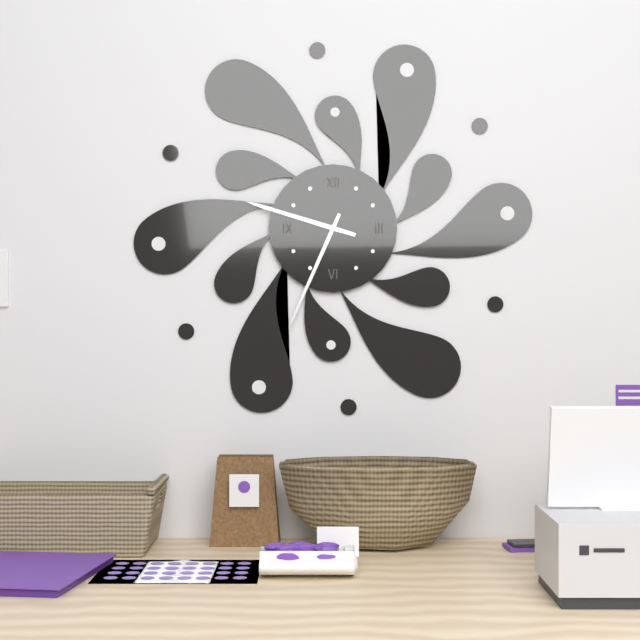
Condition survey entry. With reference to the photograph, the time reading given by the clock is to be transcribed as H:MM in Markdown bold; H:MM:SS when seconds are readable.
**9:34**
